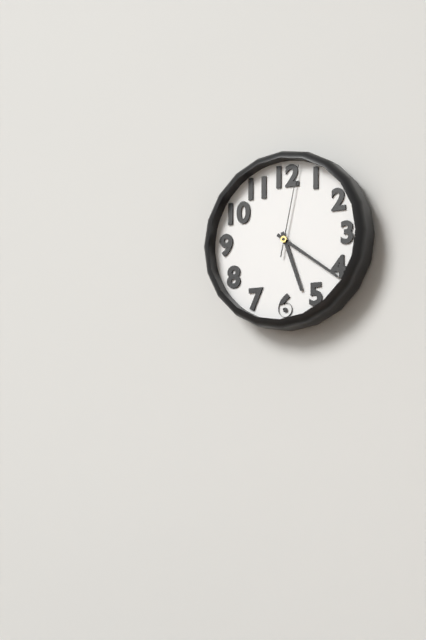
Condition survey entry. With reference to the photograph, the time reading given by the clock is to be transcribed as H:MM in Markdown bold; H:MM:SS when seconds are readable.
**5:21:02**
